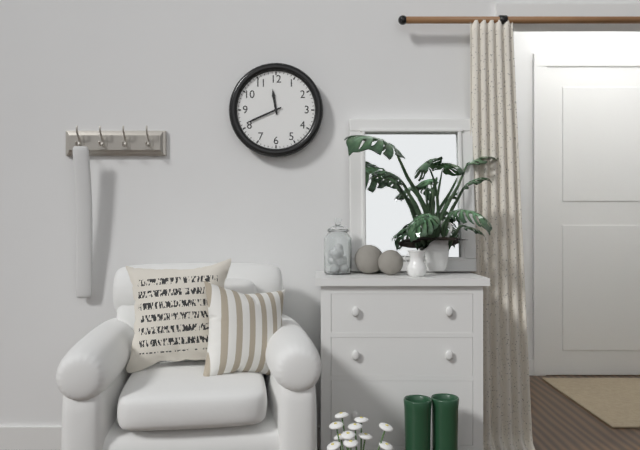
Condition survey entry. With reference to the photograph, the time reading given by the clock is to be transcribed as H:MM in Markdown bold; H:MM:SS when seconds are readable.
**11:41**
